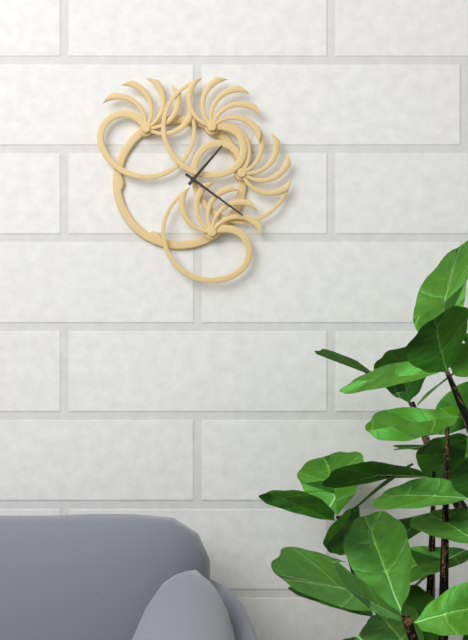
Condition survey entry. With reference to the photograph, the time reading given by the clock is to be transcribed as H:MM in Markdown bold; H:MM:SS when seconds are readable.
**1:21**
